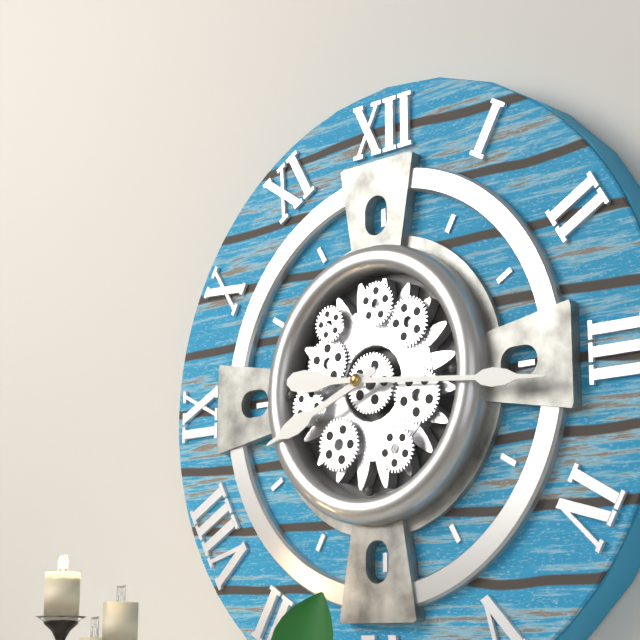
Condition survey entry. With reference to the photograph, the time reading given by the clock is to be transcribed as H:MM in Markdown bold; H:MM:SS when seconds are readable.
**8:16**
